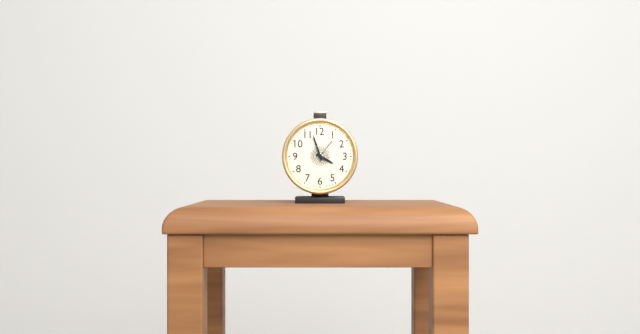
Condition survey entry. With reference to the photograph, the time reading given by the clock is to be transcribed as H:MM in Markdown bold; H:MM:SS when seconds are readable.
**3:57**
